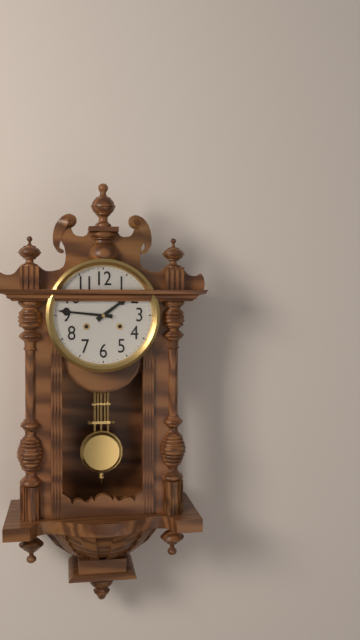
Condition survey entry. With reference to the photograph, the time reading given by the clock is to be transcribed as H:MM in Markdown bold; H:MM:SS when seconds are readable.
**1:46**
